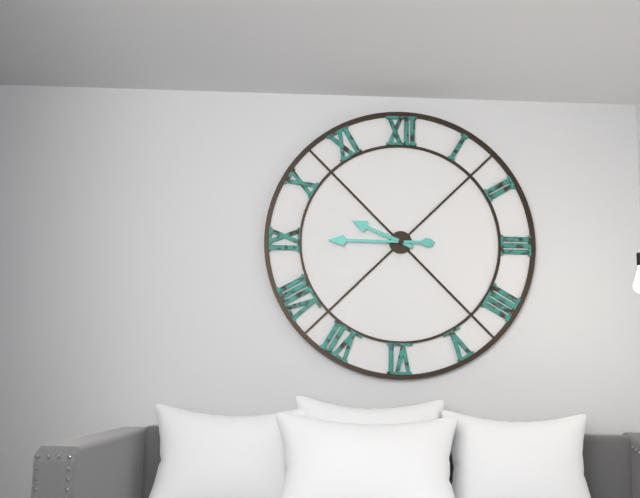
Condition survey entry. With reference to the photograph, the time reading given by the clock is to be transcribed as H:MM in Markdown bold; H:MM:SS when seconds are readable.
**9:45**
